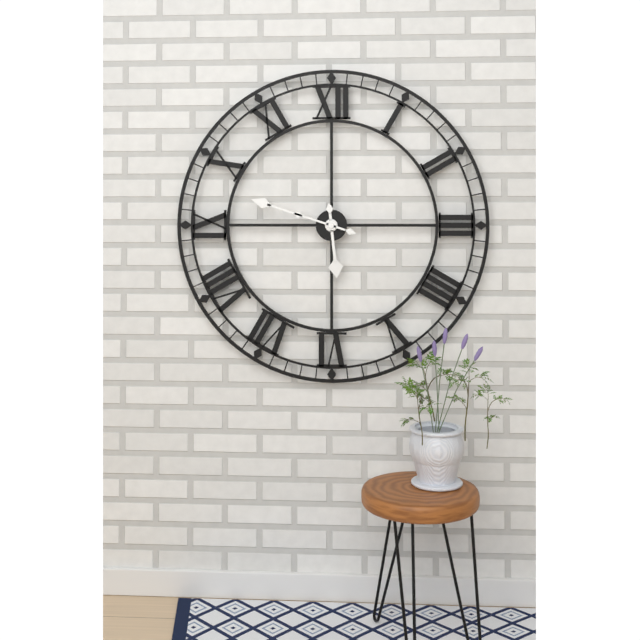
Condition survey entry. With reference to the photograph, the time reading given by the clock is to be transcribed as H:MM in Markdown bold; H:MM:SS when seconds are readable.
**5:48**
